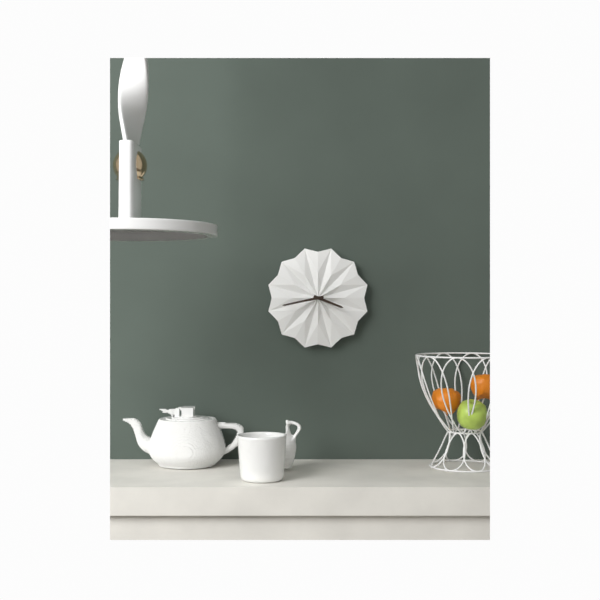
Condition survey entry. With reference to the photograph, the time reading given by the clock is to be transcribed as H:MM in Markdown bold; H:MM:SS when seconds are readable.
**3:43**
